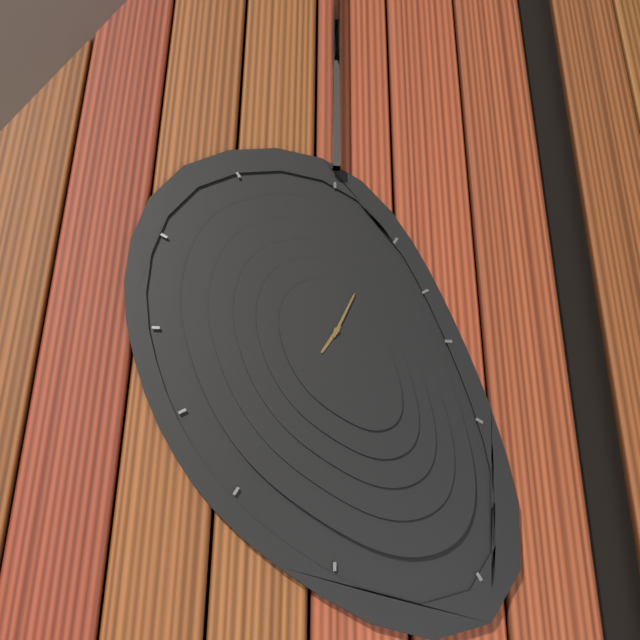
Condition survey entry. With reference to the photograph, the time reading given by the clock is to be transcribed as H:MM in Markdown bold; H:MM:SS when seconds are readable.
**7:04**
